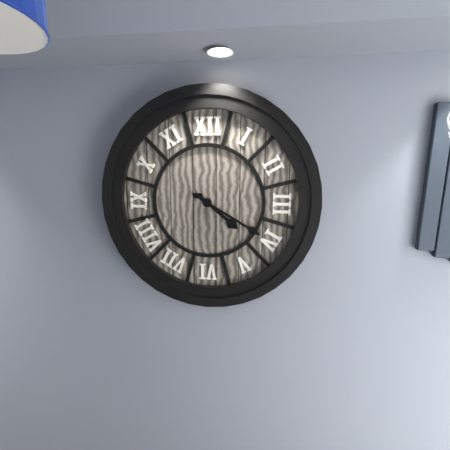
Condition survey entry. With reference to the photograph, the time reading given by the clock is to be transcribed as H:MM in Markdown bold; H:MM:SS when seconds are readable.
**4:20**
